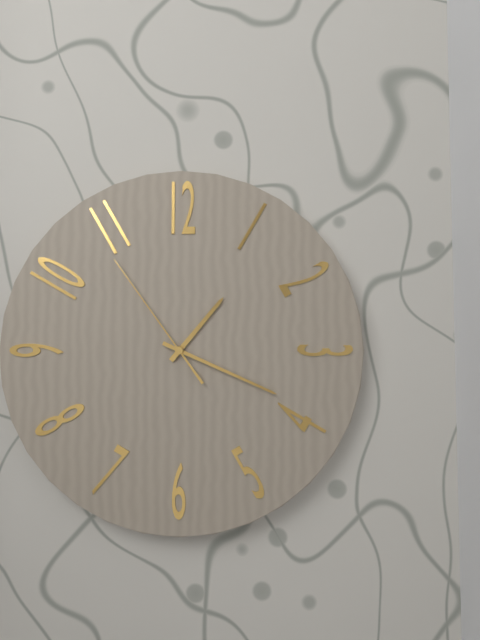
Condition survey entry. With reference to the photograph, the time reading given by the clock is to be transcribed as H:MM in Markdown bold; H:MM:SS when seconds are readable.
**1:19:54**
